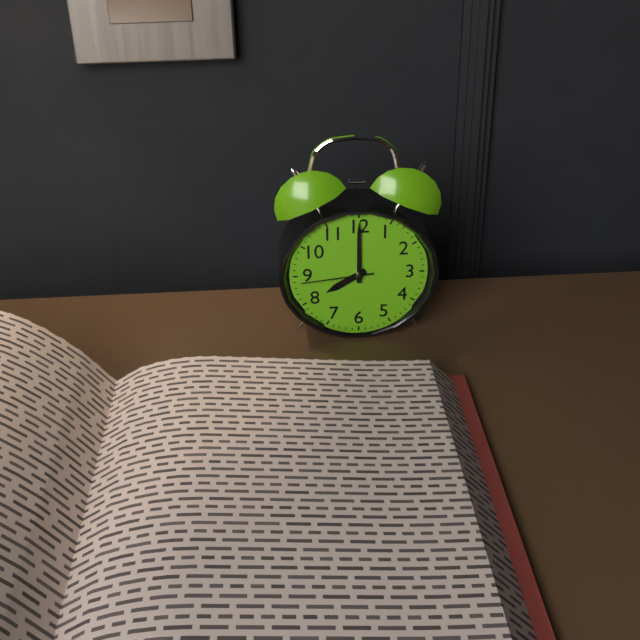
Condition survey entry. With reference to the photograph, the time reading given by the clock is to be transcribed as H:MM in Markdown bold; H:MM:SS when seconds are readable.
**8:00:44**
